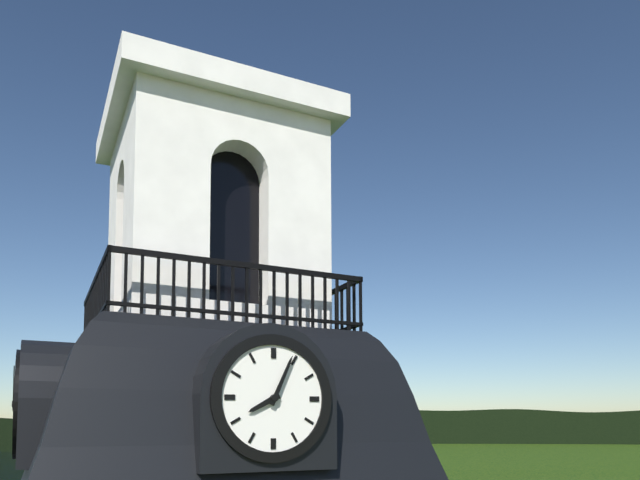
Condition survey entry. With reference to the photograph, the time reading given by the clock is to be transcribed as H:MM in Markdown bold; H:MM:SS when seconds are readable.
**8:04**
